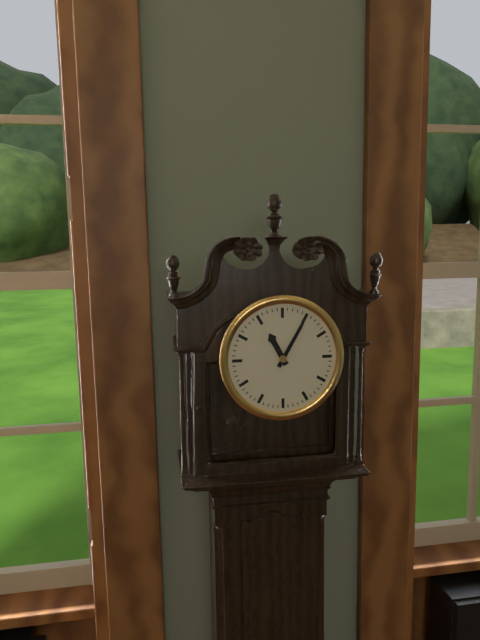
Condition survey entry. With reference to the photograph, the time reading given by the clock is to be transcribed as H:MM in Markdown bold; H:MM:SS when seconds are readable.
**11:05**
